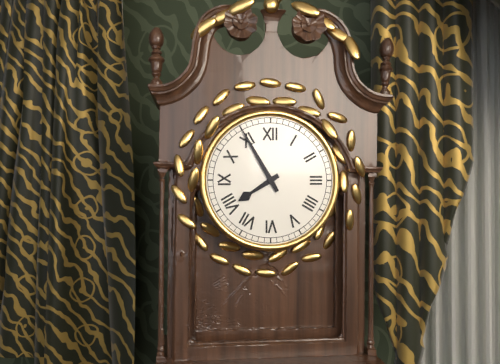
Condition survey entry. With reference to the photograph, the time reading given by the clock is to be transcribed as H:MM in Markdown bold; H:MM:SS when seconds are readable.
**7:55**
